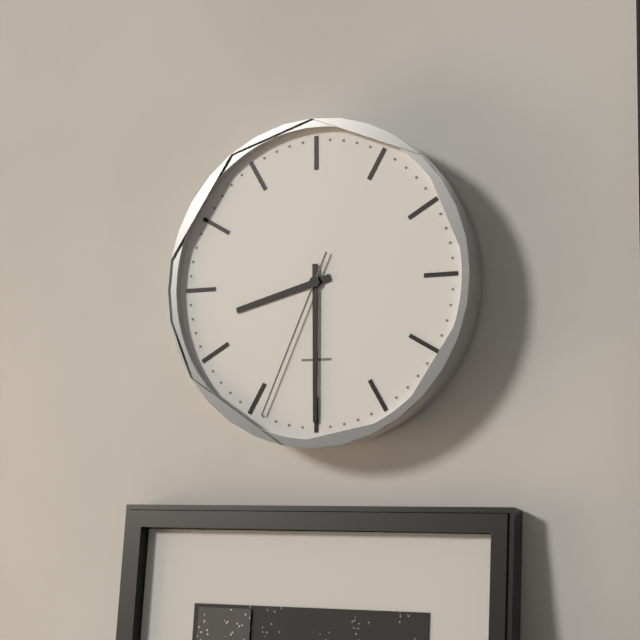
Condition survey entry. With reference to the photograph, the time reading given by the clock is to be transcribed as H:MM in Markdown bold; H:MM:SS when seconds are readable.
**8:30:34**
